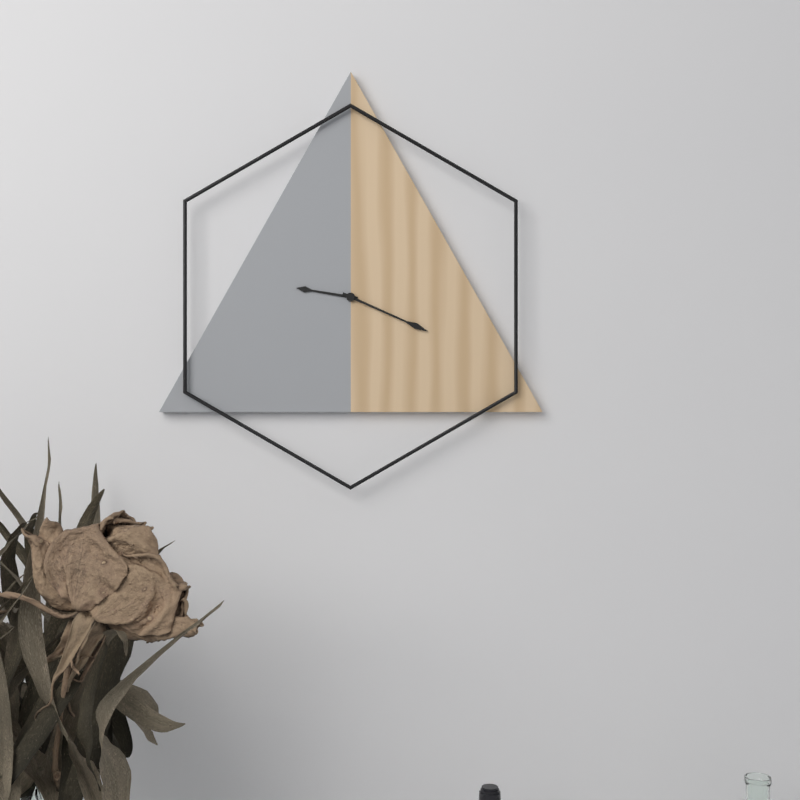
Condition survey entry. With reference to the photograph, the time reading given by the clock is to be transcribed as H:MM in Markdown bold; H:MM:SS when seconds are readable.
**9:19**
